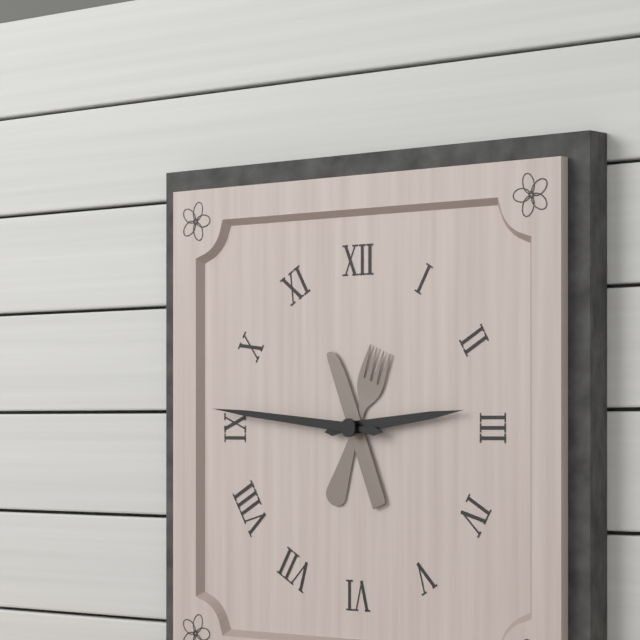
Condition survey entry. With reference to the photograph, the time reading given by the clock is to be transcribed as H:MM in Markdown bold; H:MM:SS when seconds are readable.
**2:46**
